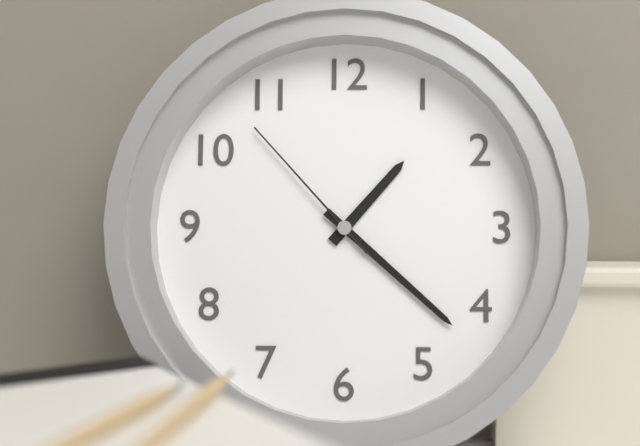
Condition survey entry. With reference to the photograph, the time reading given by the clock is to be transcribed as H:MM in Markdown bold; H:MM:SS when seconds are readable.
**1:22:53**
